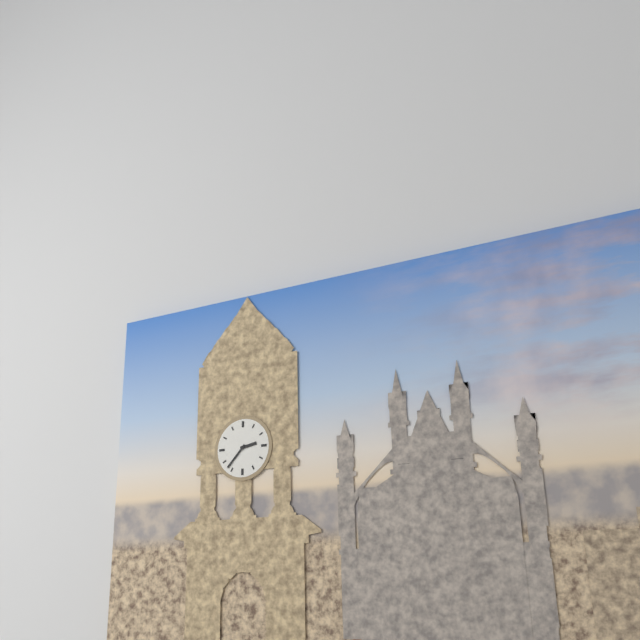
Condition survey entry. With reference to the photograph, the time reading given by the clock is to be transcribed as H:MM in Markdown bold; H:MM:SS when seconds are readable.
**2:37**
